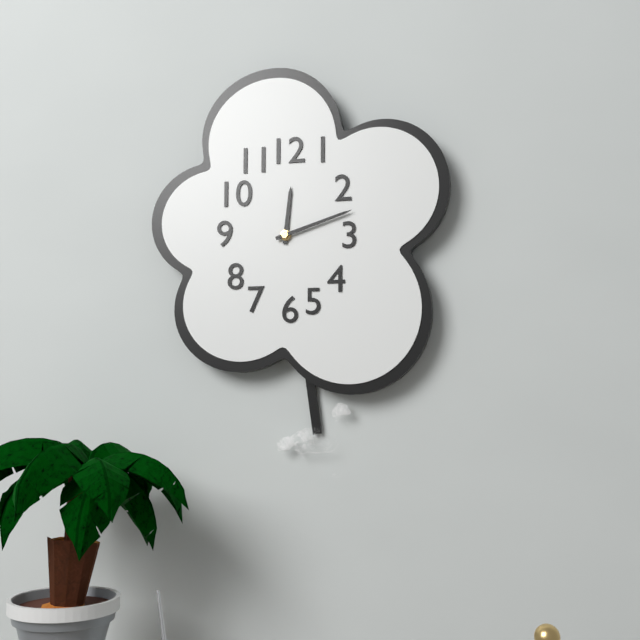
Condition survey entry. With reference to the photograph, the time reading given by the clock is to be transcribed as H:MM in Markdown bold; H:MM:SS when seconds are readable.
**12:12**
